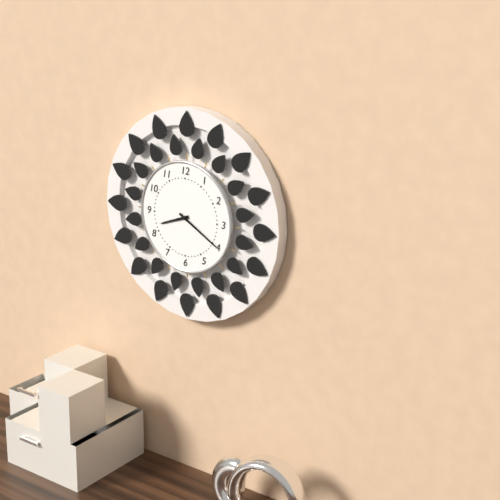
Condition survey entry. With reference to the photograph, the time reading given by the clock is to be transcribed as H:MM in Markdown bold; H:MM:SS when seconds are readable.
**8:20**
